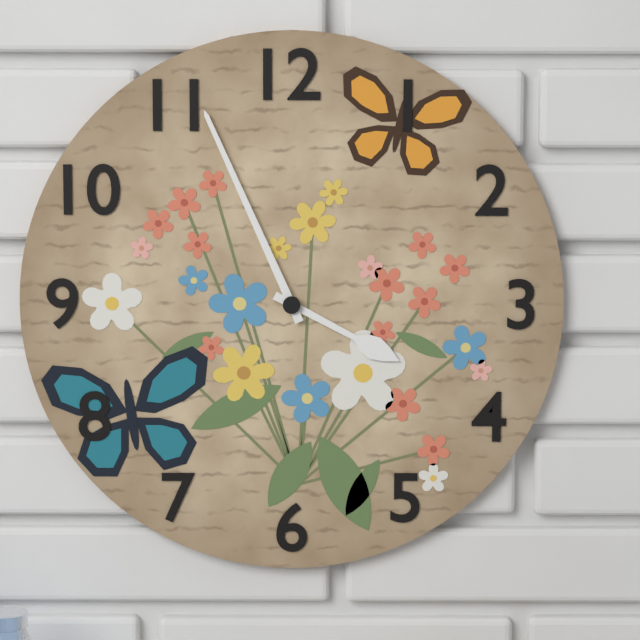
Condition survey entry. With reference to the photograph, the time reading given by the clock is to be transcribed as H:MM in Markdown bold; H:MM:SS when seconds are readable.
**3:56**
